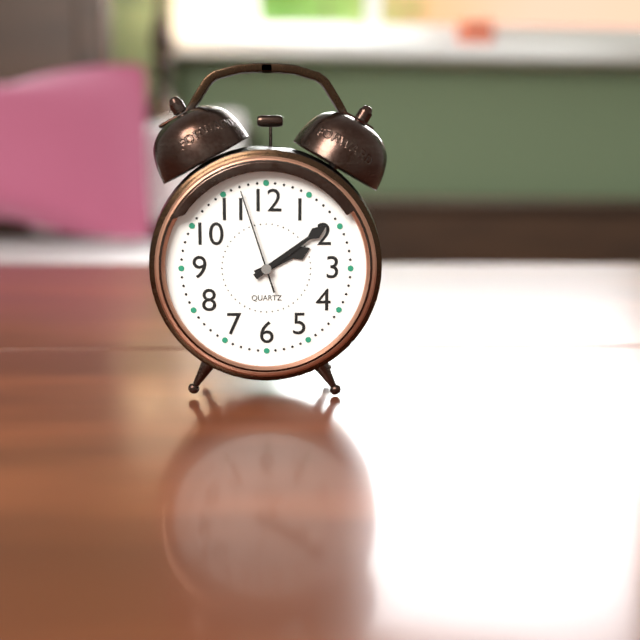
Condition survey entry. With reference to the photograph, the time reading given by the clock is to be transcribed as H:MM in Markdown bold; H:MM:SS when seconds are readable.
**2:09:57**
